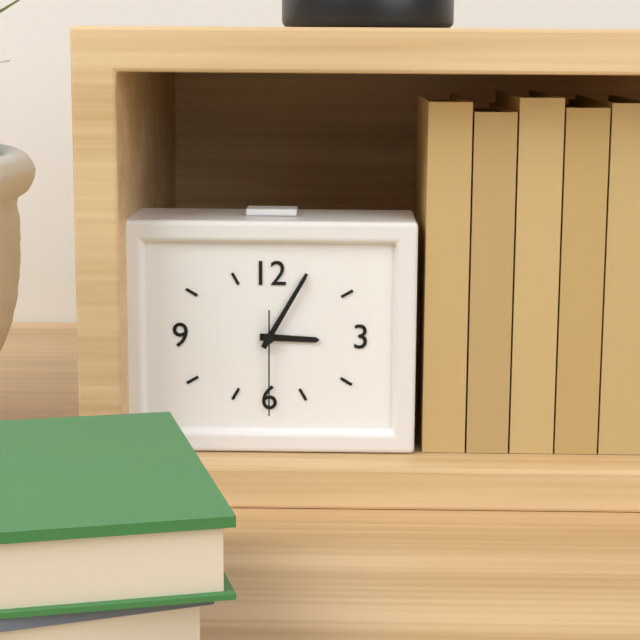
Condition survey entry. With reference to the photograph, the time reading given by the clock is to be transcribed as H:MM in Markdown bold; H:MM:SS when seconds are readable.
**3:05:30**
